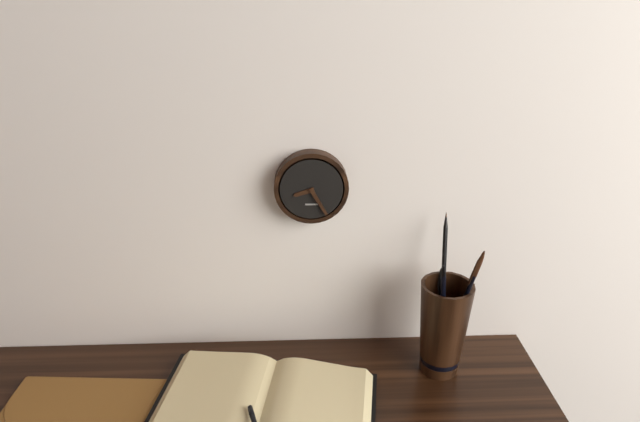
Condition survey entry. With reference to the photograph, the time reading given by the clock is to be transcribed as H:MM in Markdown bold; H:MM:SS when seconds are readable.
**8:25**
